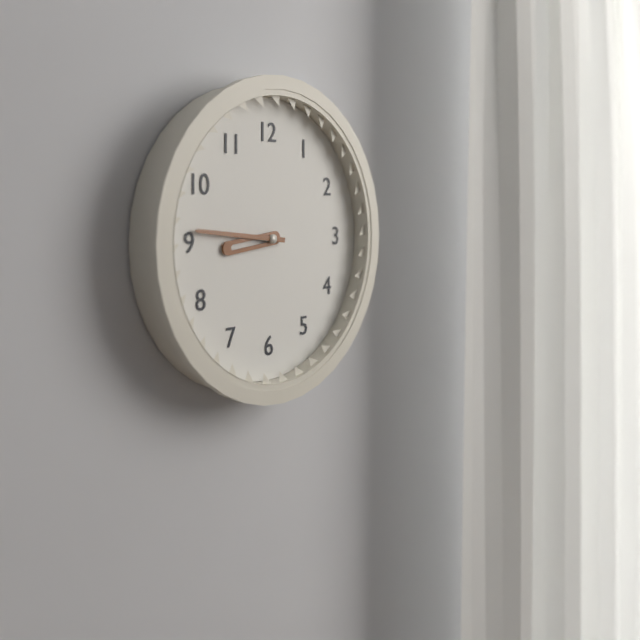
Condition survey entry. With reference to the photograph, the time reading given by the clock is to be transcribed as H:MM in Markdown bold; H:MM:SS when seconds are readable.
**8:46**
